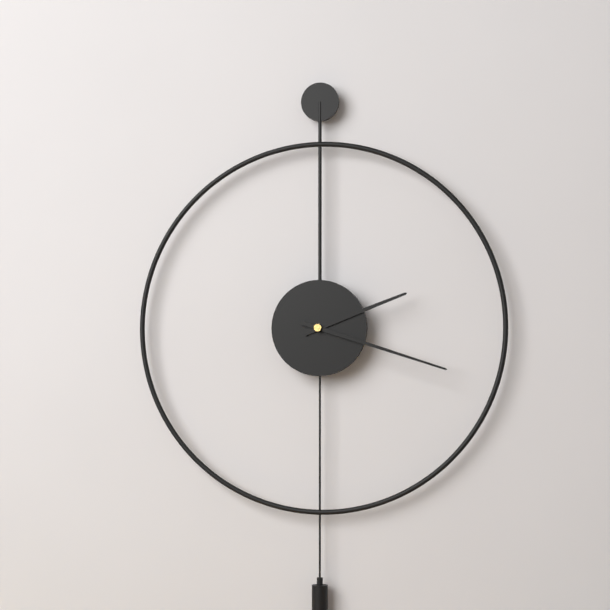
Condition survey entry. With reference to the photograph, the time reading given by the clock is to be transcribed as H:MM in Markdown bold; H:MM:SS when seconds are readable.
**2:18**
